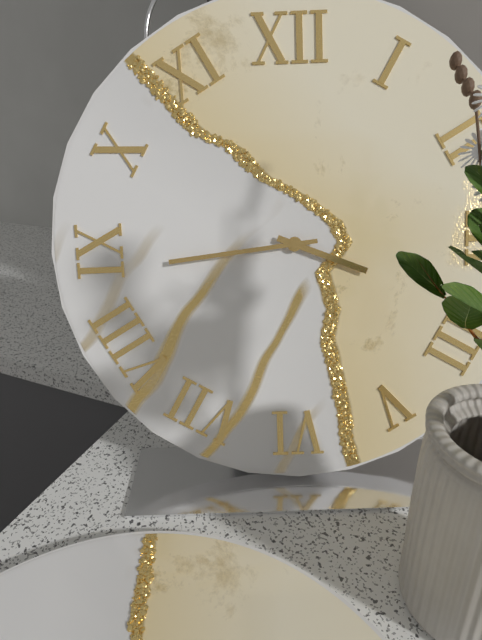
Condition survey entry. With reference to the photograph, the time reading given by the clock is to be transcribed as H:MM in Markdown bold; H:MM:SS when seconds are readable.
**3:44**
